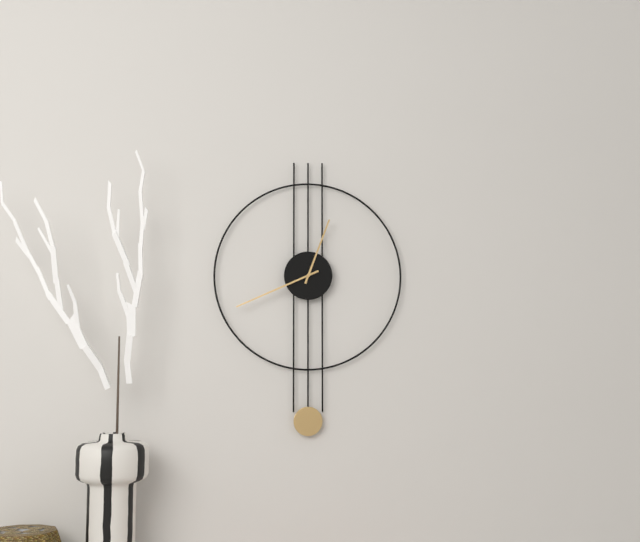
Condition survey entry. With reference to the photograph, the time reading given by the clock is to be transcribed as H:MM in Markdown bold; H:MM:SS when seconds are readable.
**12:41**
